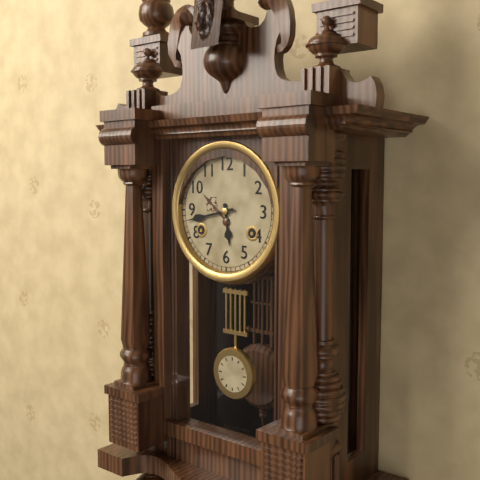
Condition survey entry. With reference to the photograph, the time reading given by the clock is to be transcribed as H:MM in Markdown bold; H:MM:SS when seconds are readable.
**5:43**
